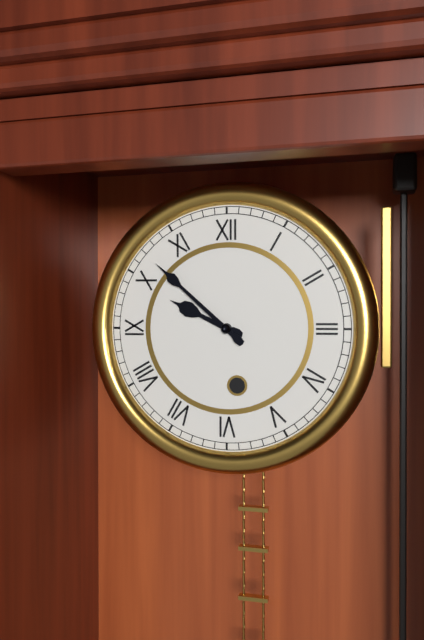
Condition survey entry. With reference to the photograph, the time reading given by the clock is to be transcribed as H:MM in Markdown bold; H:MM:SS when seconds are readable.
**9:52**
